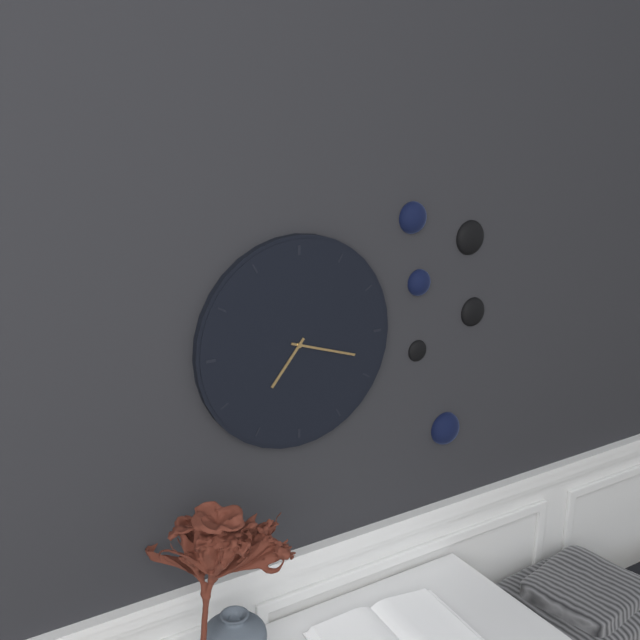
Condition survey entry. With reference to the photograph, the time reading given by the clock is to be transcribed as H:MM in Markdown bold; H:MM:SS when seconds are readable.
**7:18**
